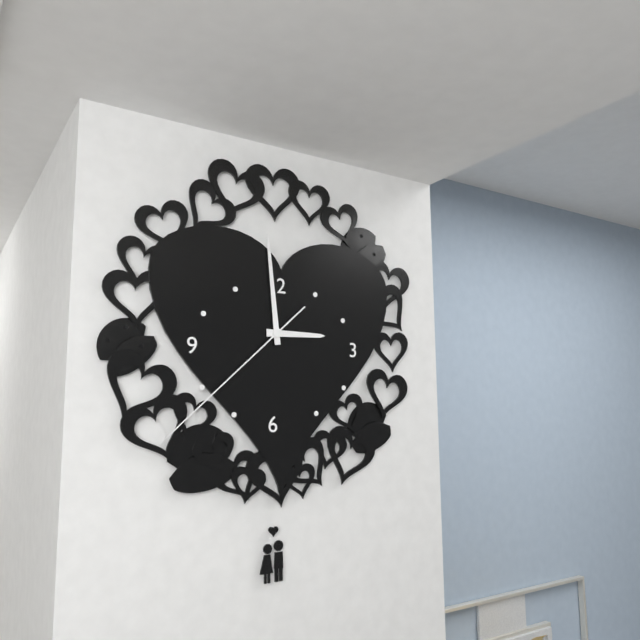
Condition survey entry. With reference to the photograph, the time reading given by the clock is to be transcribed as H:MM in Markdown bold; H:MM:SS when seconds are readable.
**2:59:38**
